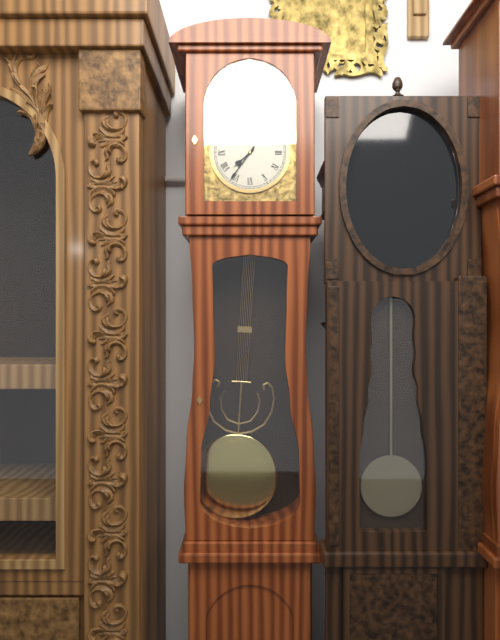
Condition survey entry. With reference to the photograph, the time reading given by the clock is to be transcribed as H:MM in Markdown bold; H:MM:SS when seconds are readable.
**7:36**
